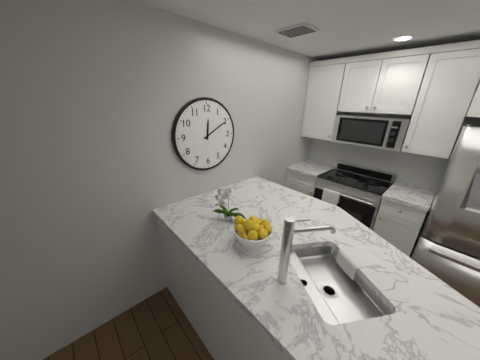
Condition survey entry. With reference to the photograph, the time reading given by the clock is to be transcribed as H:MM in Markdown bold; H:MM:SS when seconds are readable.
**12:10**
